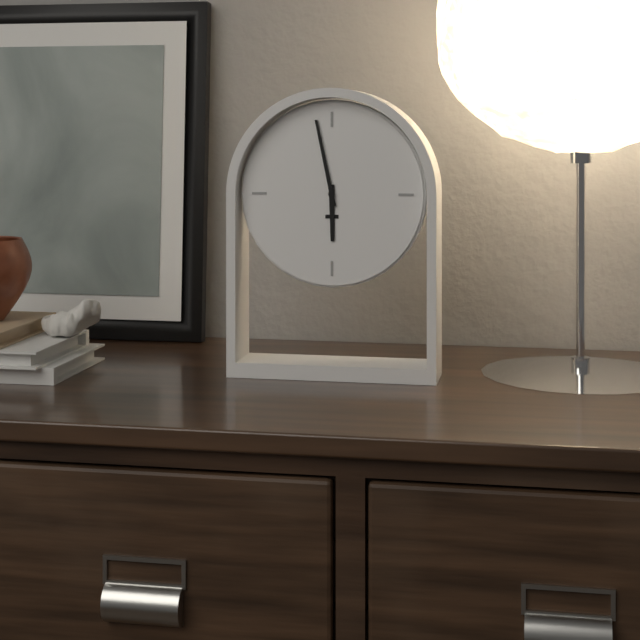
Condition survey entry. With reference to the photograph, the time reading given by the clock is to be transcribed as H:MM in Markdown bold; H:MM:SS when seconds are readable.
**5:58**
